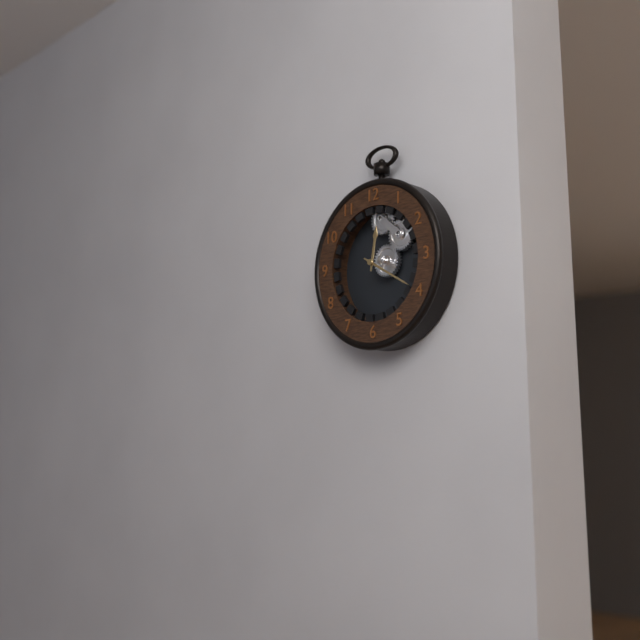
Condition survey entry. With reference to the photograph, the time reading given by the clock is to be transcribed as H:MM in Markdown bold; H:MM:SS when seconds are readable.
**12:20**
